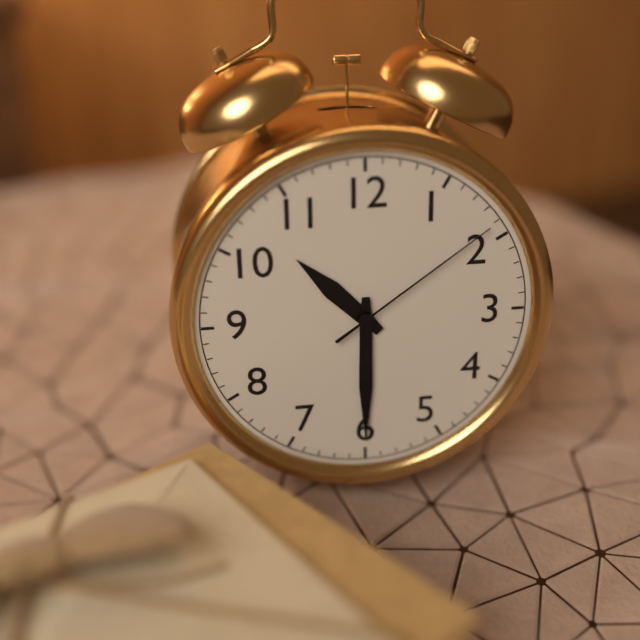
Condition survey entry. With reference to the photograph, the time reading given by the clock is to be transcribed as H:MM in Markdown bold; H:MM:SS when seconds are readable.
**10:30:09**
